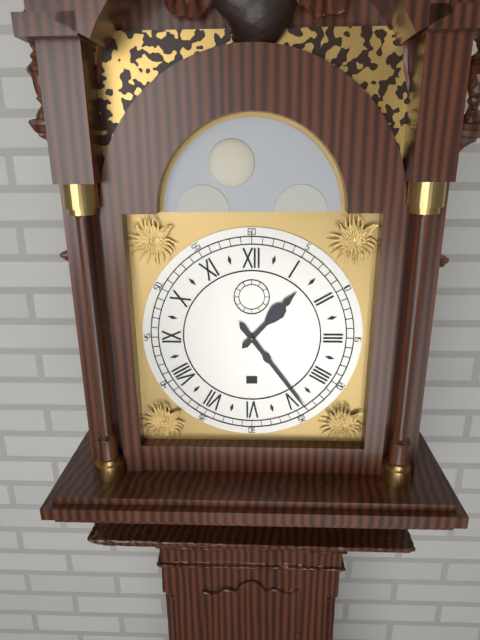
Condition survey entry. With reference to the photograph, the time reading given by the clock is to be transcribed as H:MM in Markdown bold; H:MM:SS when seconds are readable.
**1:24**
